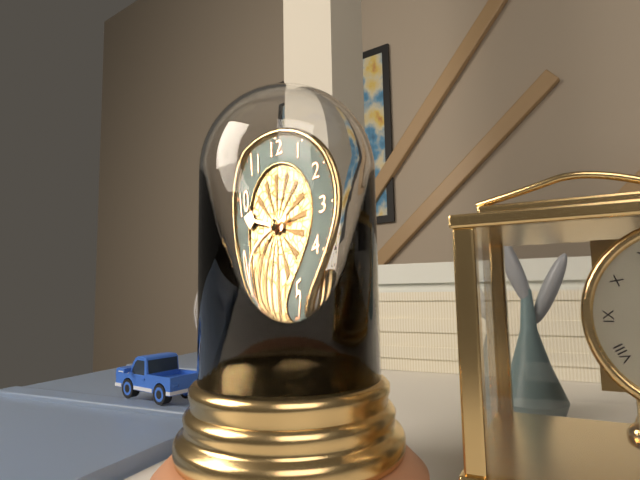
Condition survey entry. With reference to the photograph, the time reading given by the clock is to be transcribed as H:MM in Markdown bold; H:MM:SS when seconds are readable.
**9:44**
